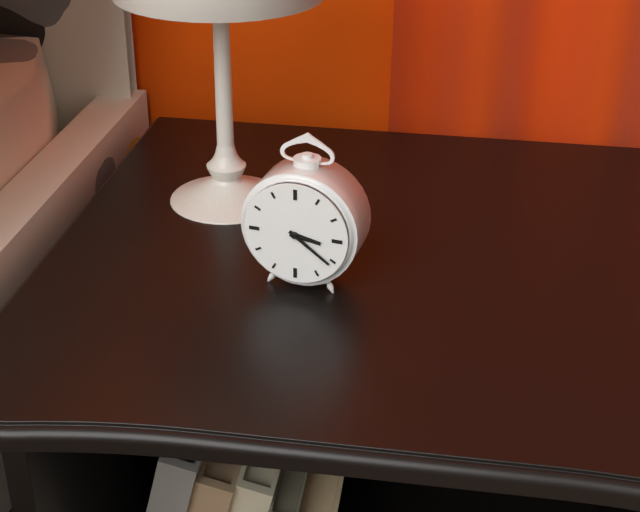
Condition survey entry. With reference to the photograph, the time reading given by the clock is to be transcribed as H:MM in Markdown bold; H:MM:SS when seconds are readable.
**3:21**
